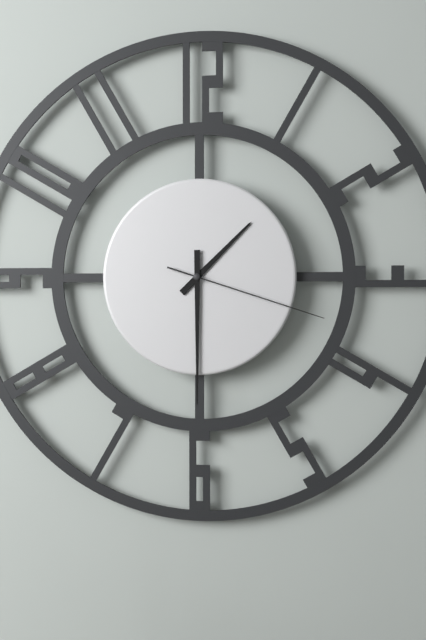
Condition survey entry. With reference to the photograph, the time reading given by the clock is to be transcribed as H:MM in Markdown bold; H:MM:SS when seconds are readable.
**1:30:18**
